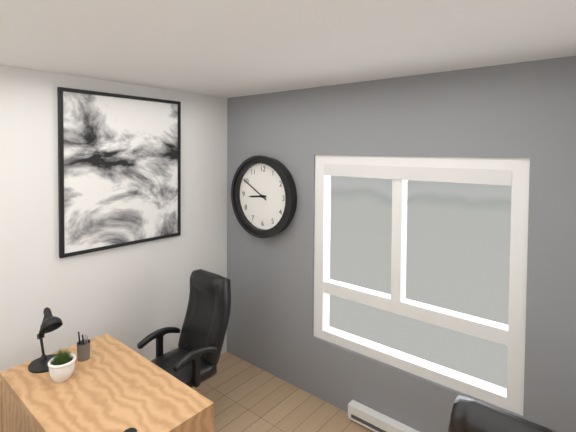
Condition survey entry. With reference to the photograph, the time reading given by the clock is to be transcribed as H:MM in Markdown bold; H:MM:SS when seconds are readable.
**8:50**
